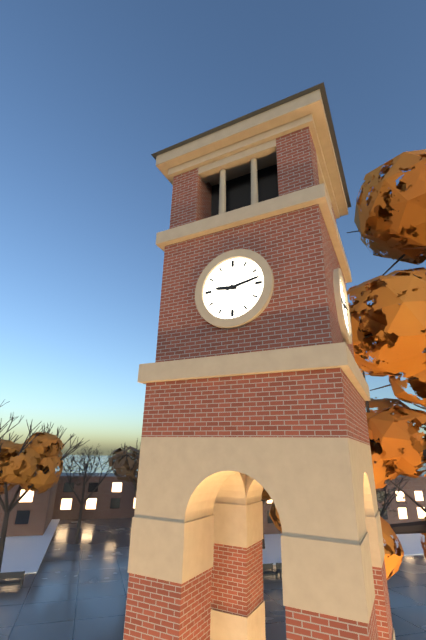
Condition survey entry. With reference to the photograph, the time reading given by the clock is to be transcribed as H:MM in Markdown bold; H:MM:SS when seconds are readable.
**9:13**
